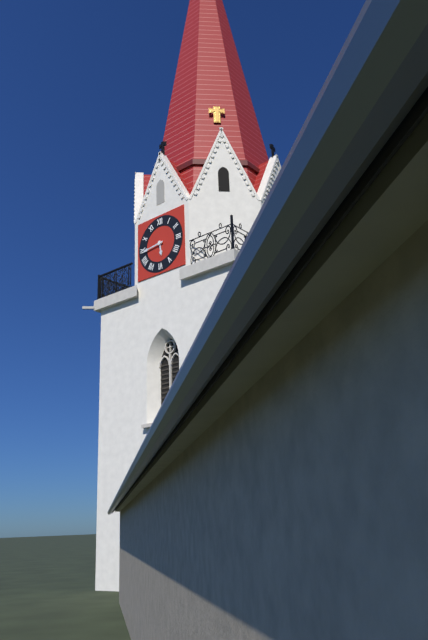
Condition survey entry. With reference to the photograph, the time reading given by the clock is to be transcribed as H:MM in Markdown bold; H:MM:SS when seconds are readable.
**5:44**
